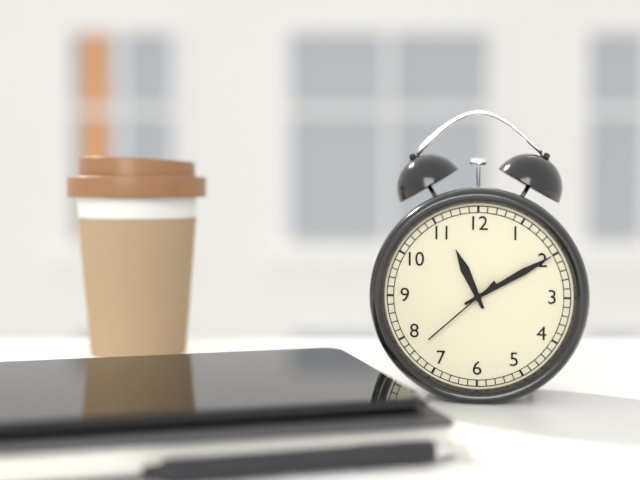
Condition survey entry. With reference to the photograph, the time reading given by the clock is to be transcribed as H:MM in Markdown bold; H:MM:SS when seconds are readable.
**11:10:38**
